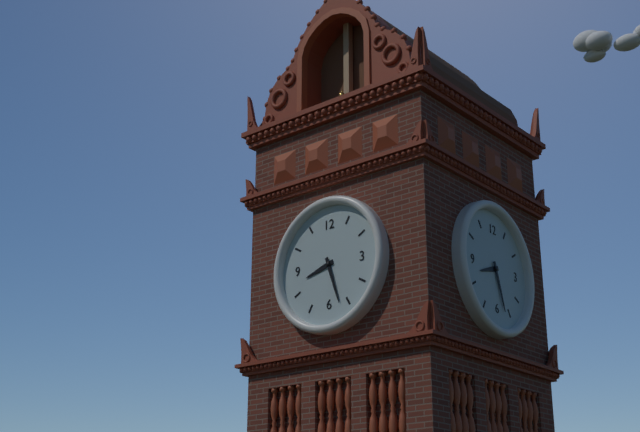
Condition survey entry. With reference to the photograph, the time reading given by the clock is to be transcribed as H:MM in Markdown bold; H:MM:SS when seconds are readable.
**8:27**
